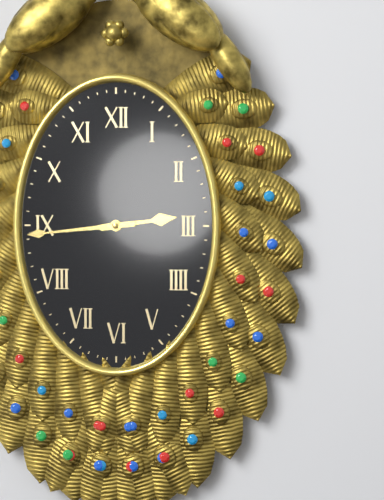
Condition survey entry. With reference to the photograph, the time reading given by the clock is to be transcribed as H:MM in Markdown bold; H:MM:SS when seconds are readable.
**2:44**
